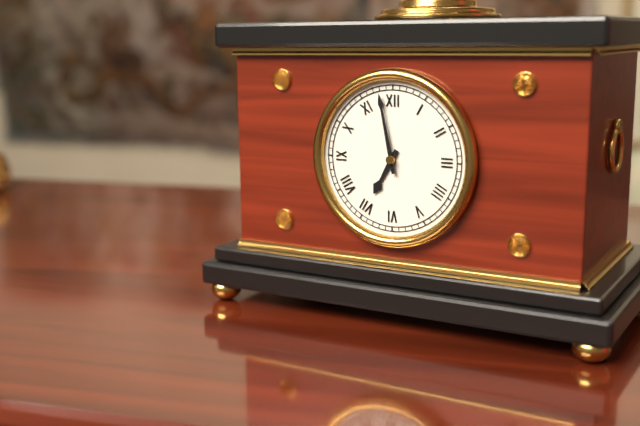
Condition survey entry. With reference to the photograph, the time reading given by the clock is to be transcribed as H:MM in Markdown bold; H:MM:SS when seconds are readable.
**6:58**
